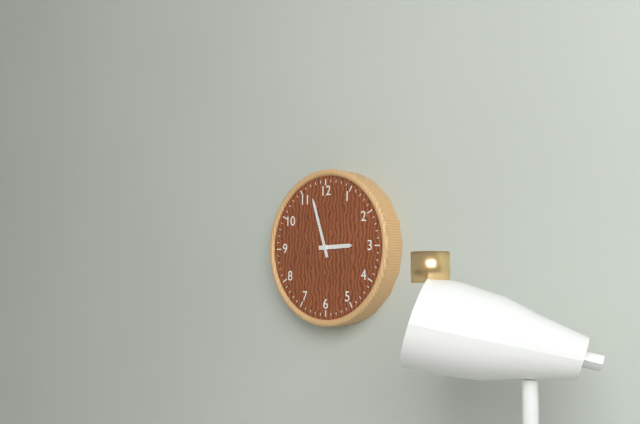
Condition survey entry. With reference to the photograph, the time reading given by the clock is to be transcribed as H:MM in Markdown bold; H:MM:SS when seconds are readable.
**2:57**
